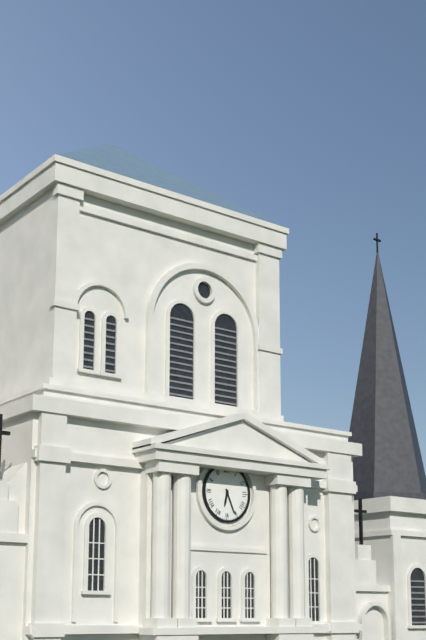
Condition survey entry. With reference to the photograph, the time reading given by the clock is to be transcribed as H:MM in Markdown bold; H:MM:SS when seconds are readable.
**6:26**
